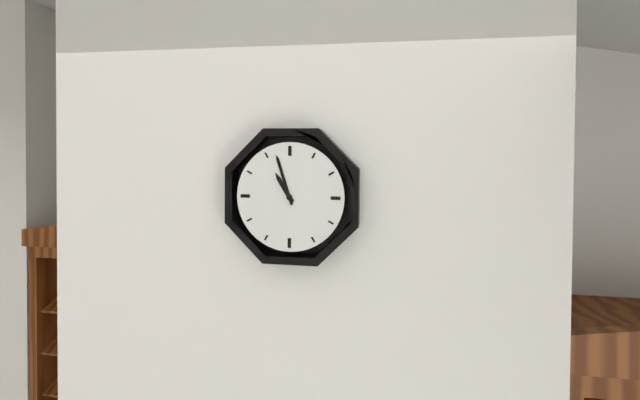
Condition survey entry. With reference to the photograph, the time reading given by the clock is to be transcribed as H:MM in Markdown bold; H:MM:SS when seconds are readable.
**10:57**
